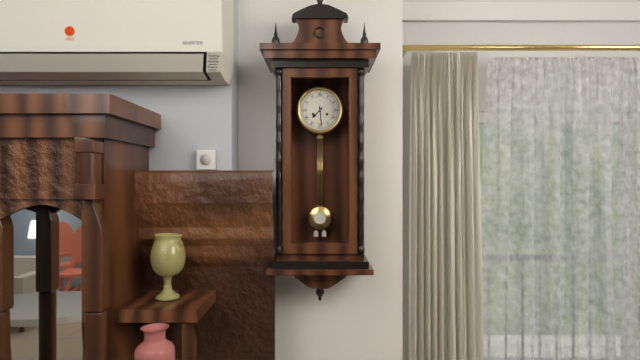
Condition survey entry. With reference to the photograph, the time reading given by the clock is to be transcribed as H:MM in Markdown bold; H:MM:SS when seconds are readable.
**7:29**
